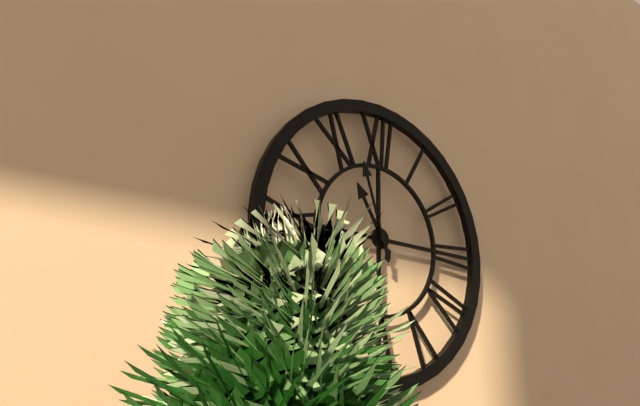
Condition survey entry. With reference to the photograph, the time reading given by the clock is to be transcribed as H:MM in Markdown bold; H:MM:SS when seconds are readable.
**10:57**
